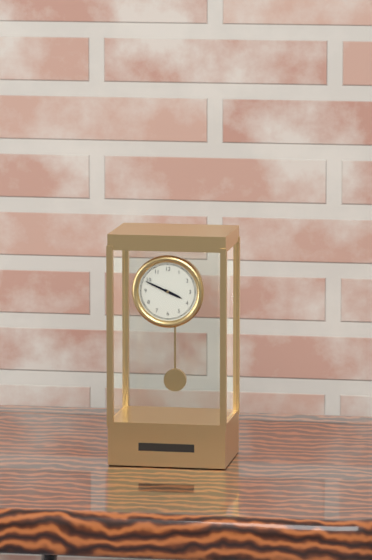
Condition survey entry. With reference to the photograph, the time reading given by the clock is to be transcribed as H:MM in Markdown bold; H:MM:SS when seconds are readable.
**3:49**
